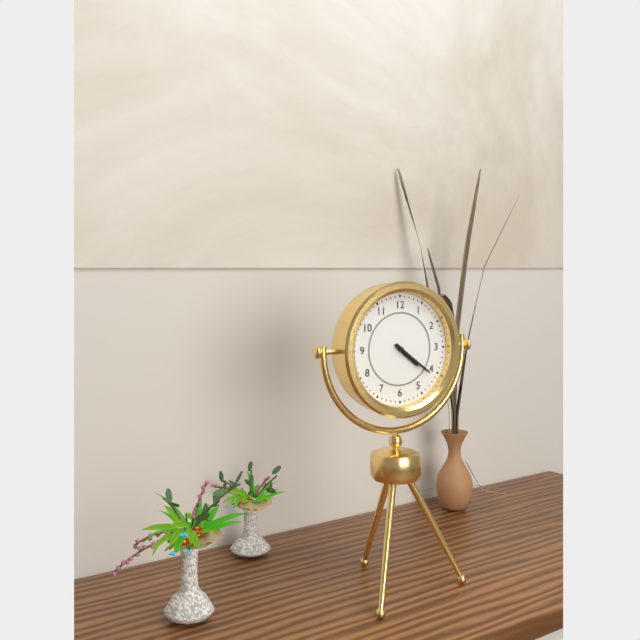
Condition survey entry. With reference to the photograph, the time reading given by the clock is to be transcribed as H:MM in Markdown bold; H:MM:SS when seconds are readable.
**4:21**
